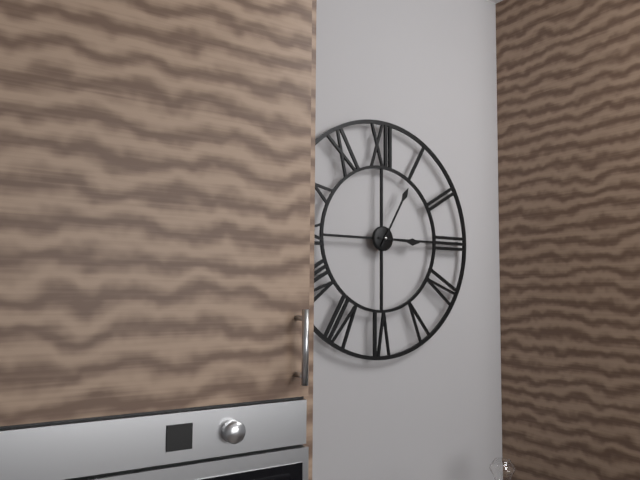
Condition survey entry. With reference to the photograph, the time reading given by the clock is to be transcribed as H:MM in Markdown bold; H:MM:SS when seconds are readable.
**3:05**
